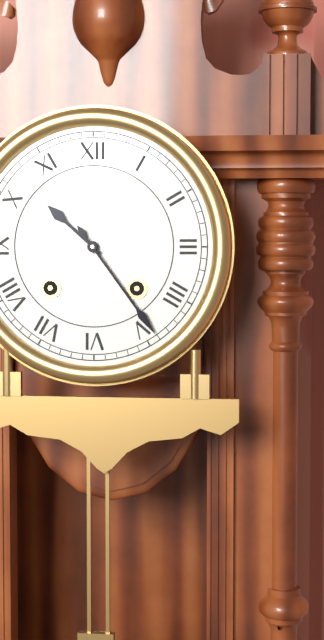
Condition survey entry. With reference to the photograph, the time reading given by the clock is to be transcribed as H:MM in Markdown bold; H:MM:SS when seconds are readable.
**10:24**
